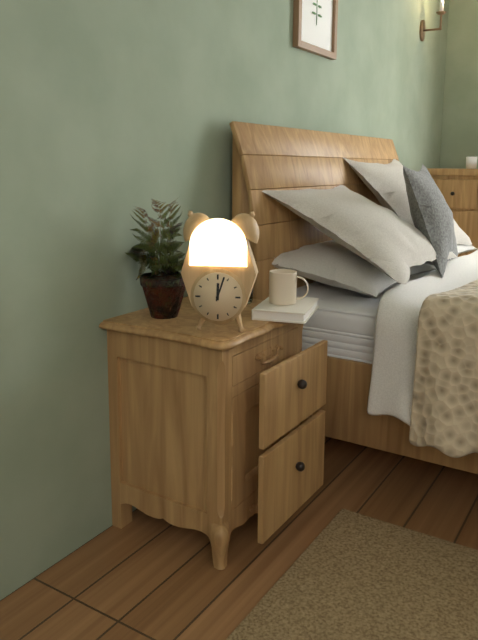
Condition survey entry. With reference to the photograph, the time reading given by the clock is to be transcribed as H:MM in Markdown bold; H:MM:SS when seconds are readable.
**12:03**
